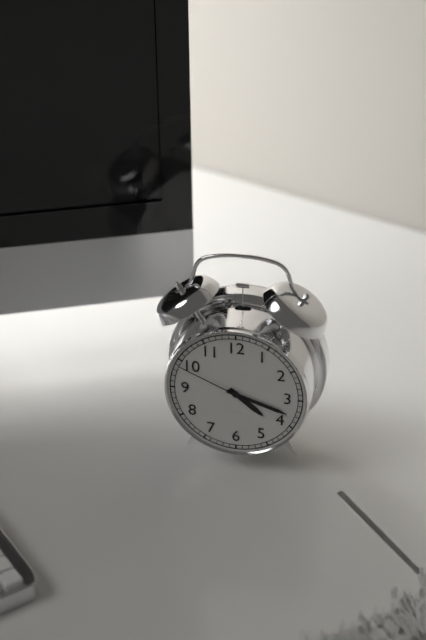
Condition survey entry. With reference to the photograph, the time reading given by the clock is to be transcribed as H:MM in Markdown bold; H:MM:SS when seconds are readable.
**4:18:49**
